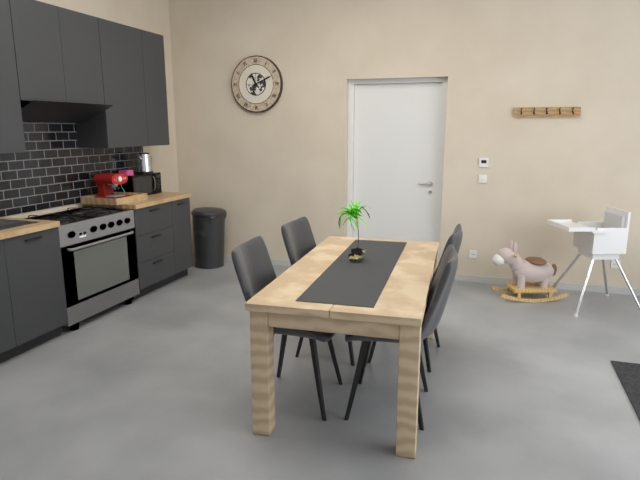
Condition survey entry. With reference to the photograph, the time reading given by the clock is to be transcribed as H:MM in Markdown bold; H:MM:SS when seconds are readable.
**11:11**
